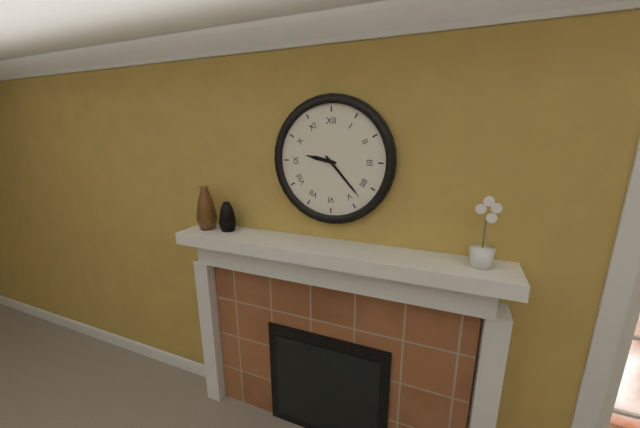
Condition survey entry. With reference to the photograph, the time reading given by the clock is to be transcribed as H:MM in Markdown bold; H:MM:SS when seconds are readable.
**9:23**
